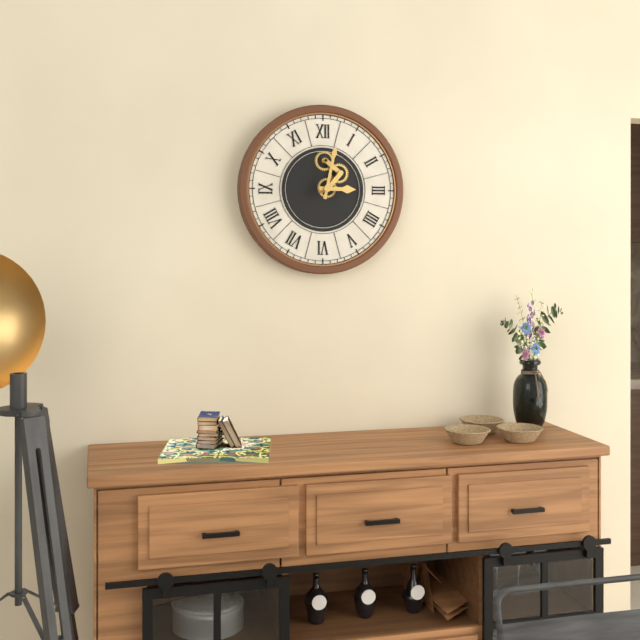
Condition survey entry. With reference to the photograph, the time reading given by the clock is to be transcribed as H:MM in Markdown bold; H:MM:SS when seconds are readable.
**3:02**
